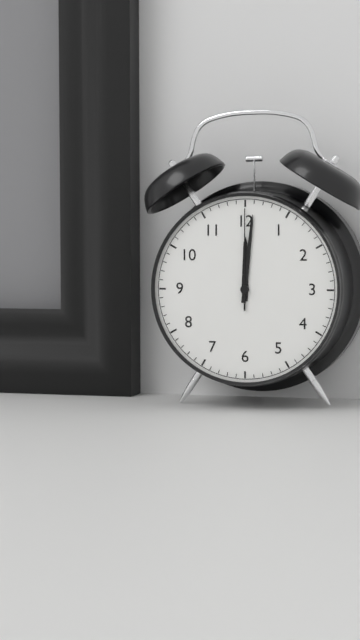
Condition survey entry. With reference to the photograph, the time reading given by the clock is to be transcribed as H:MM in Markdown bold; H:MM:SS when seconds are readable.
**12:01:00**
